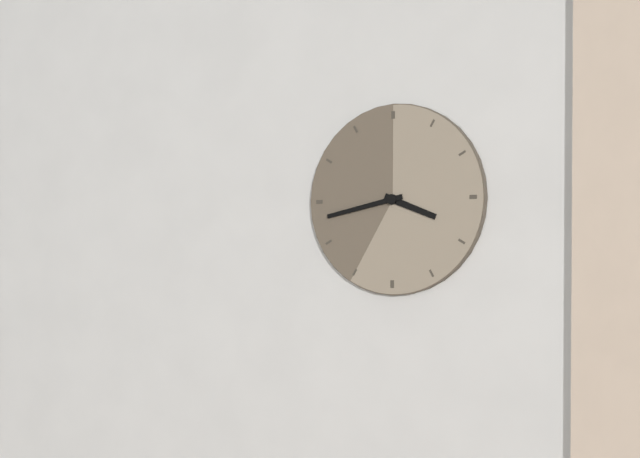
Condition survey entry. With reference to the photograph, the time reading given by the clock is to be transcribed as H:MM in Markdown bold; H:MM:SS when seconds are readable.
**3:43**
